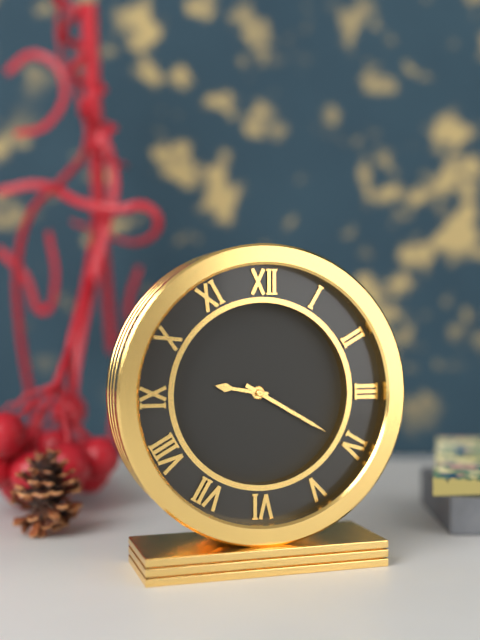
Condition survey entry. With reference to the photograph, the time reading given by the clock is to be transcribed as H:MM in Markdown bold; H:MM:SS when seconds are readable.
**9:20**
